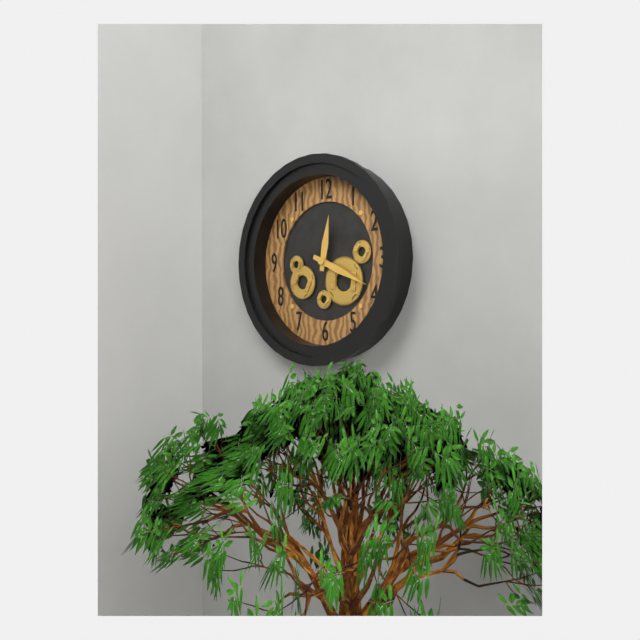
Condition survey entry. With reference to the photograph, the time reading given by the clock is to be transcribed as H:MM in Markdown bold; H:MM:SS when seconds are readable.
**12:19**
